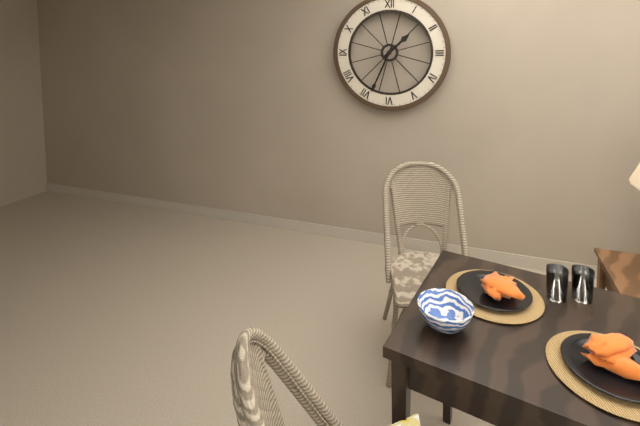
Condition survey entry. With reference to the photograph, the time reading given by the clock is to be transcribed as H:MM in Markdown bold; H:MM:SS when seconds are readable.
**1:34**
